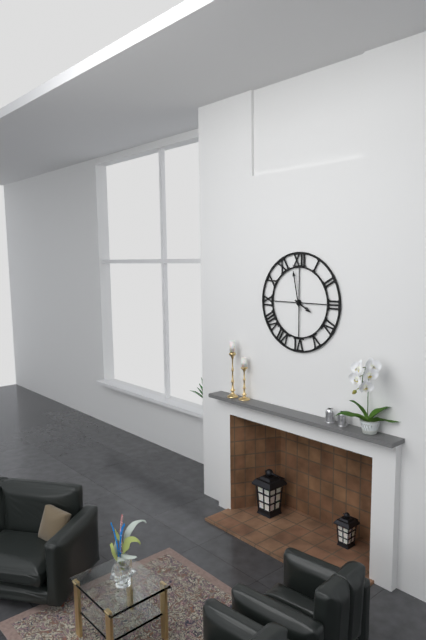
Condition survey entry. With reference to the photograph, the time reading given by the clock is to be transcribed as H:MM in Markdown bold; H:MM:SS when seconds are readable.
**3:58**
